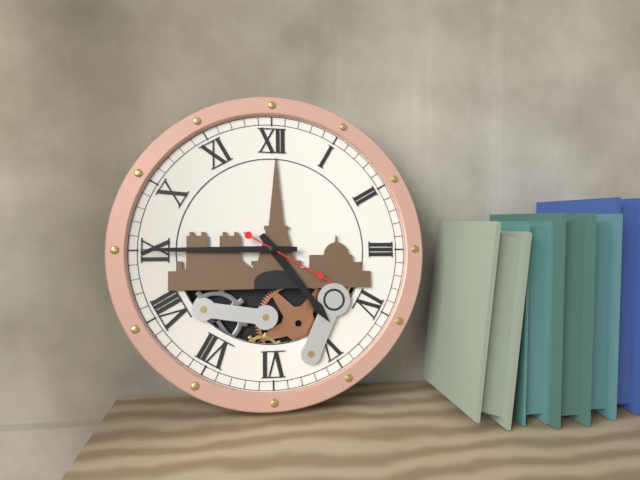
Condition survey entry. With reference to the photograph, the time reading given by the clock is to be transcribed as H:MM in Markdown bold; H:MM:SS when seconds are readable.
**4:45:20**
